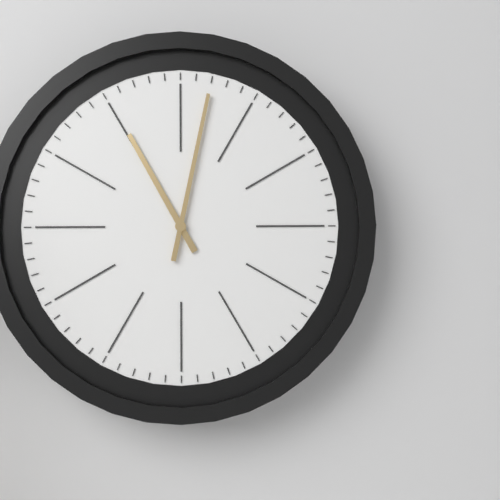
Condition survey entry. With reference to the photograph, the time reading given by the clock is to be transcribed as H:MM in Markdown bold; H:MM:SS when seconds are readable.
**11:02**
